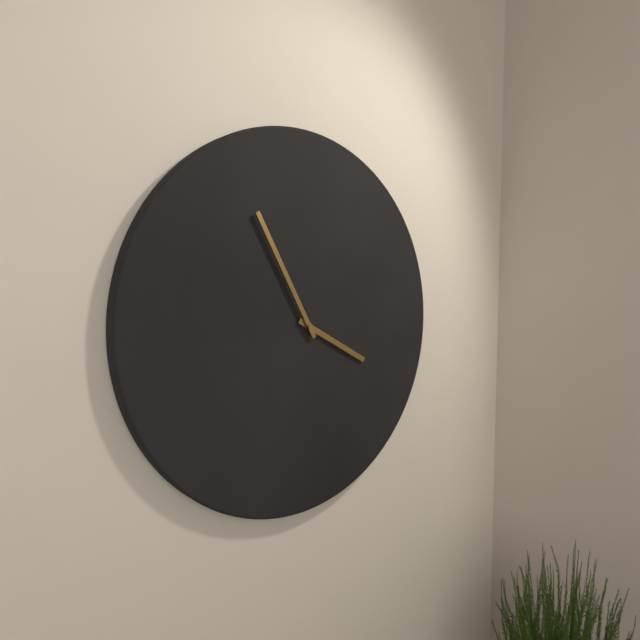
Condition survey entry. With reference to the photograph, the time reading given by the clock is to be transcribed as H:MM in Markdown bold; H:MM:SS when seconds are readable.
**3:55**
